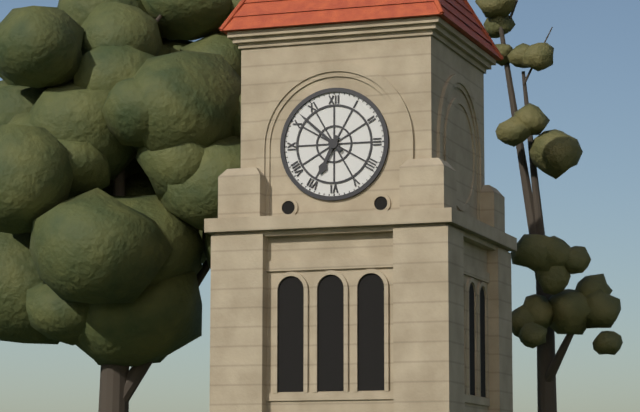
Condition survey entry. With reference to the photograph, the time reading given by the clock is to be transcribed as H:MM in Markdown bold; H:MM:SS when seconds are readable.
**6:52**
